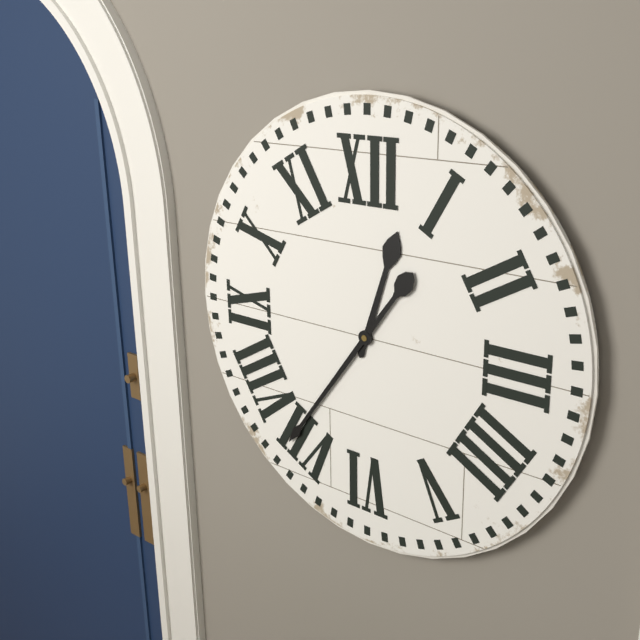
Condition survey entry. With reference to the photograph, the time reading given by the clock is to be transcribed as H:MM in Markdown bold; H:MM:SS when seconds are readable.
**12:36**
